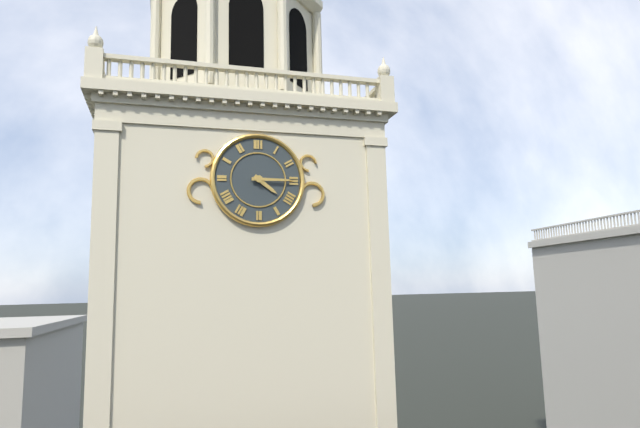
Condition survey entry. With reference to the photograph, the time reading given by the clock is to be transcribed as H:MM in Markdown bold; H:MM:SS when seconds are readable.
**4:15**
